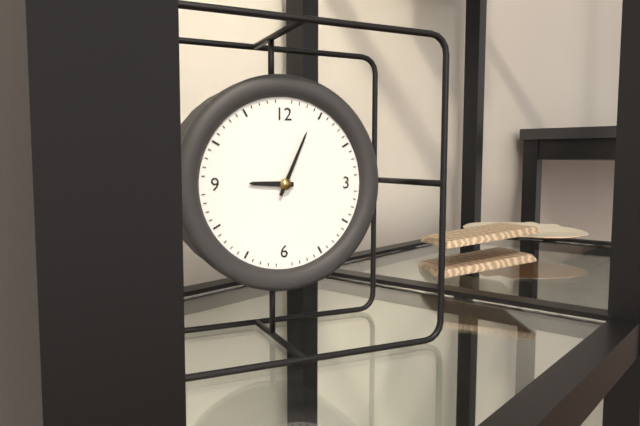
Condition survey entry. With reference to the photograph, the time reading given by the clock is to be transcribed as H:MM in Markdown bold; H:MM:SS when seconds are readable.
**9:04**
